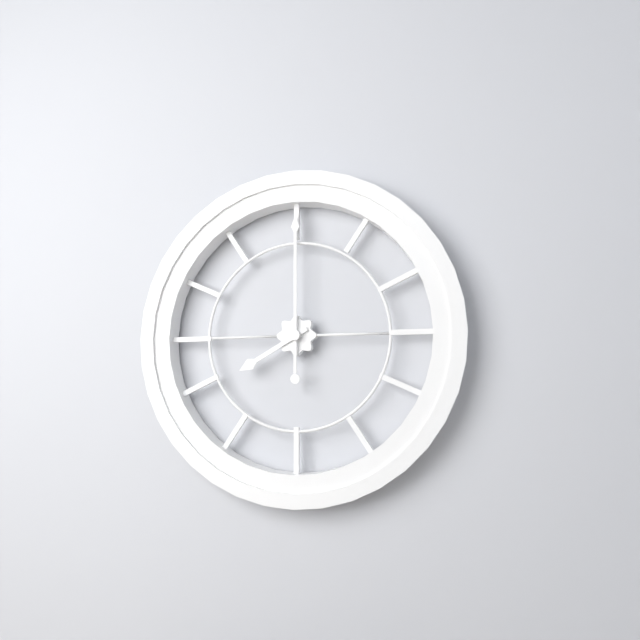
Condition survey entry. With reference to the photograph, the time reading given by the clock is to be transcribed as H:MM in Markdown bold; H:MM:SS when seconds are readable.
**8:00**
